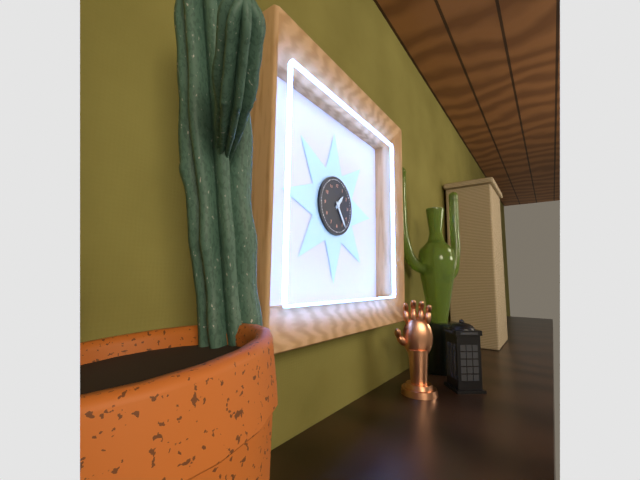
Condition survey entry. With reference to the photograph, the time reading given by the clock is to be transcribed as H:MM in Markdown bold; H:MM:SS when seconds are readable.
**1:24**
